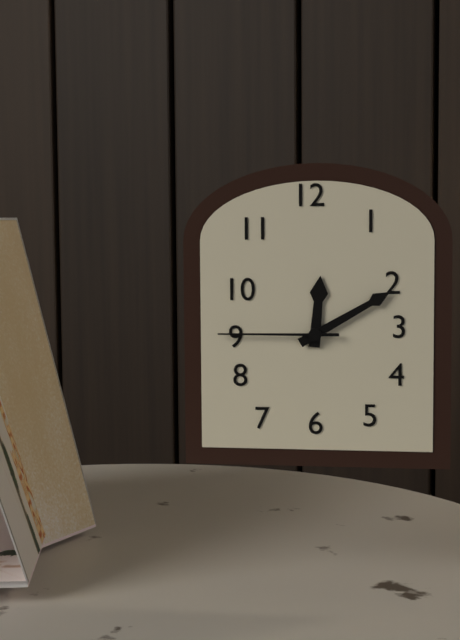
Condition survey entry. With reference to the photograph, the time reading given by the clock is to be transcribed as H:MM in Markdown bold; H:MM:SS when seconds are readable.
**12:10:45**
